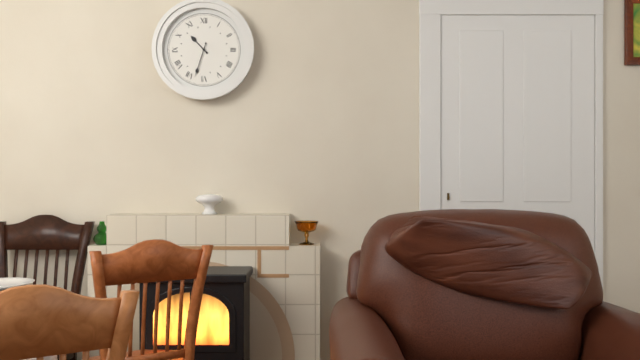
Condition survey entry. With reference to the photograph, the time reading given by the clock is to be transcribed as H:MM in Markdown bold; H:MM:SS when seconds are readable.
**10:33**
